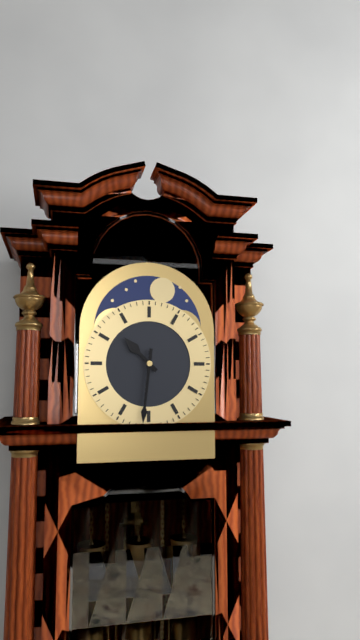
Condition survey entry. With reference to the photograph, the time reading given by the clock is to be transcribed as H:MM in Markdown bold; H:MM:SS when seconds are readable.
**10:31**
